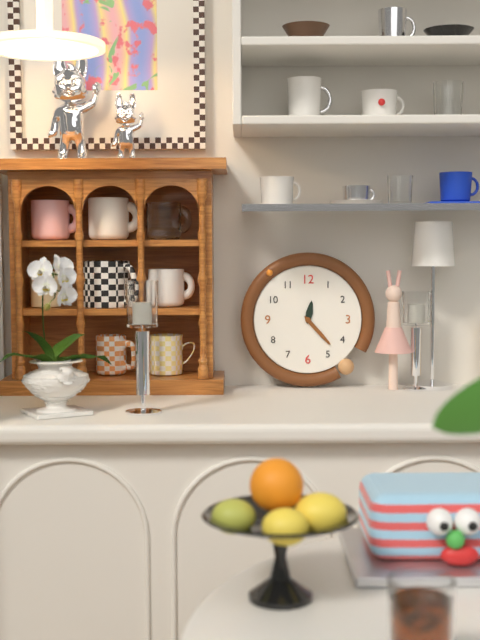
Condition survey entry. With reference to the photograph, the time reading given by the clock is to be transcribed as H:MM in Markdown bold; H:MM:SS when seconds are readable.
**12:23**
